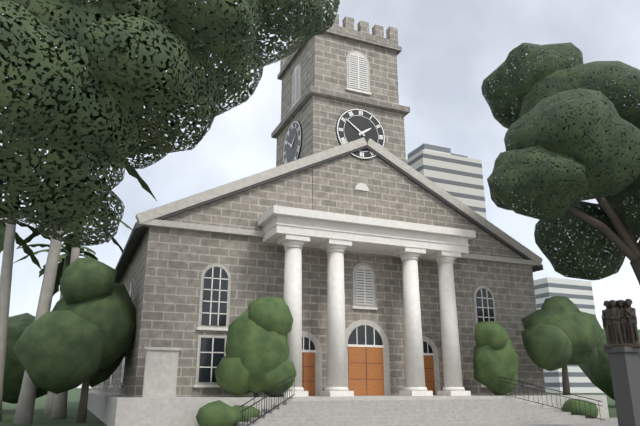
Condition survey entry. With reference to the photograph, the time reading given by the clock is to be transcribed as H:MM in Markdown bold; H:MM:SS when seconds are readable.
**1:51**
